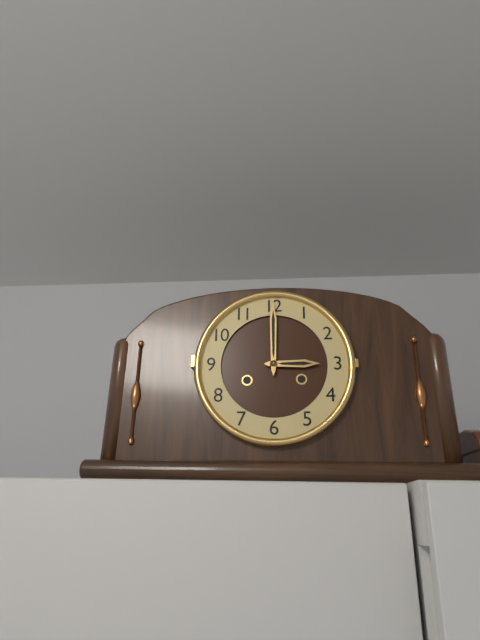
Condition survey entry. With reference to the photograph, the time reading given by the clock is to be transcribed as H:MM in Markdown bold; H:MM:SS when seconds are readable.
**3:00**
